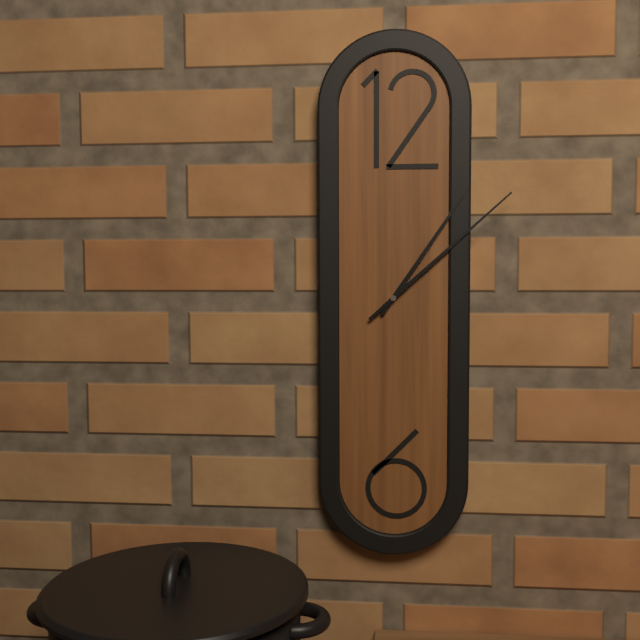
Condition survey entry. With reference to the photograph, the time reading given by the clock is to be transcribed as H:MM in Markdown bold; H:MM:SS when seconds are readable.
**1:08**
